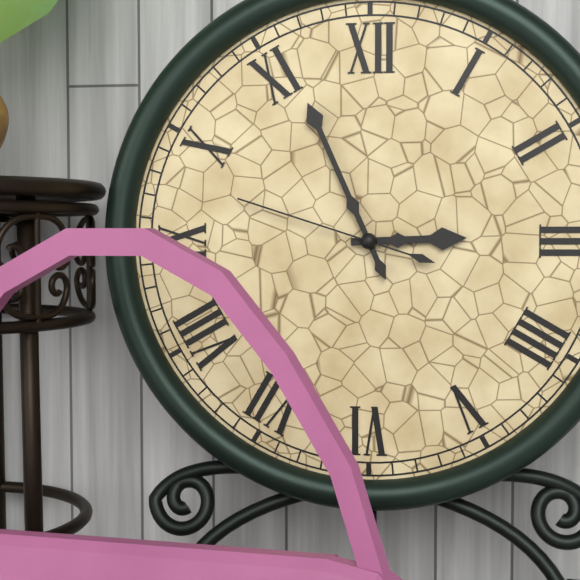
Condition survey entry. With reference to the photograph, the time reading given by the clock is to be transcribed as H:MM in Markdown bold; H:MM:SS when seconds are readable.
**2:56:48**
